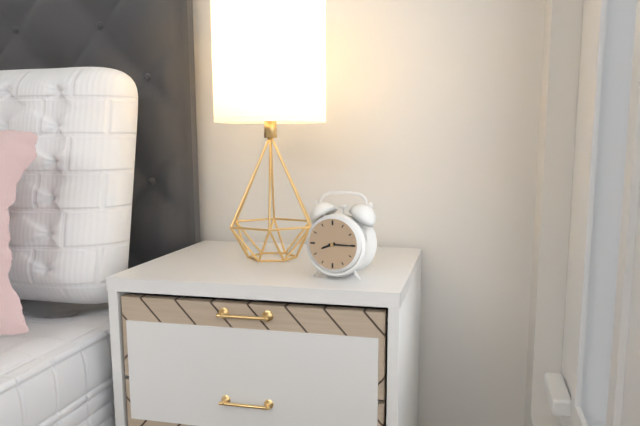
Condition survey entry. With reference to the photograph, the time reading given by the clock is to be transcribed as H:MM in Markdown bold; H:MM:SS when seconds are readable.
**8:15**
